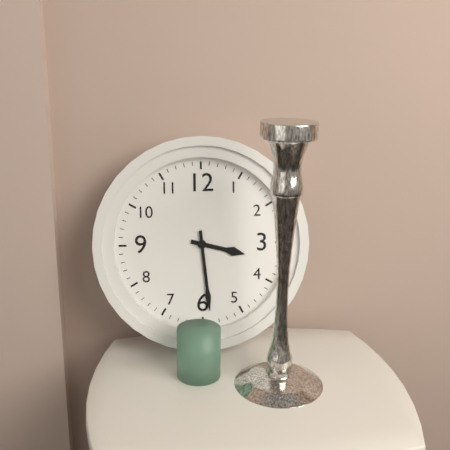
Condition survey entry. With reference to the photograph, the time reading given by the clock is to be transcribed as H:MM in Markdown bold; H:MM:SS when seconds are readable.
**3:29**
